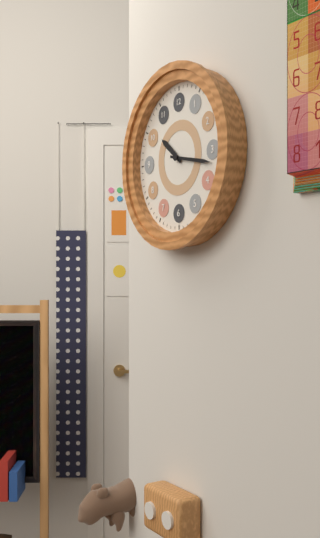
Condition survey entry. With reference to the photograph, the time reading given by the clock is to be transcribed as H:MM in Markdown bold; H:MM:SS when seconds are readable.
**10:17**
